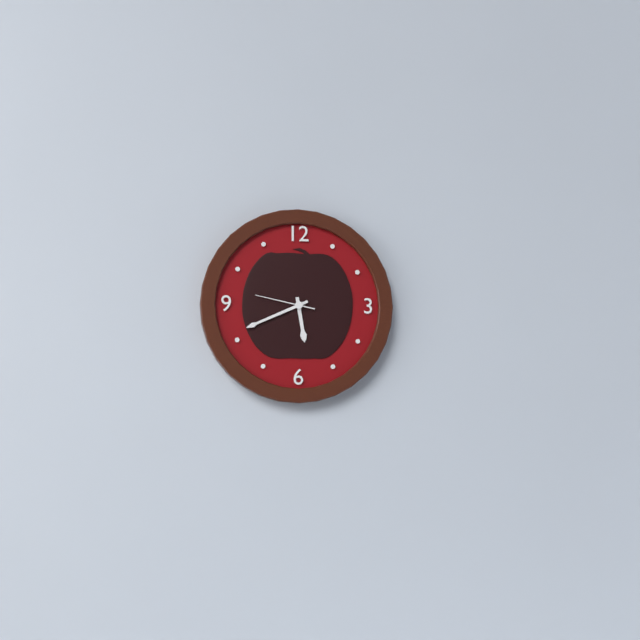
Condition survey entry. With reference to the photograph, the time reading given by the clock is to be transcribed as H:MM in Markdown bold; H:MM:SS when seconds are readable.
**5:41:47**
